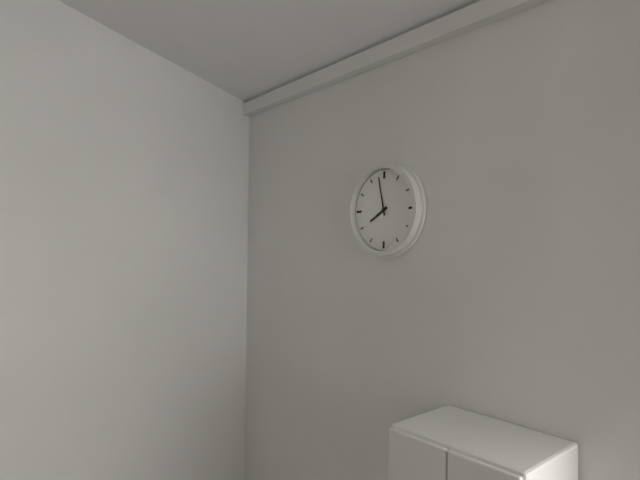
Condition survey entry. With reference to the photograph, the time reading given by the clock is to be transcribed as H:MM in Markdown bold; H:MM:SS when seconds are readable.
**7:58**
